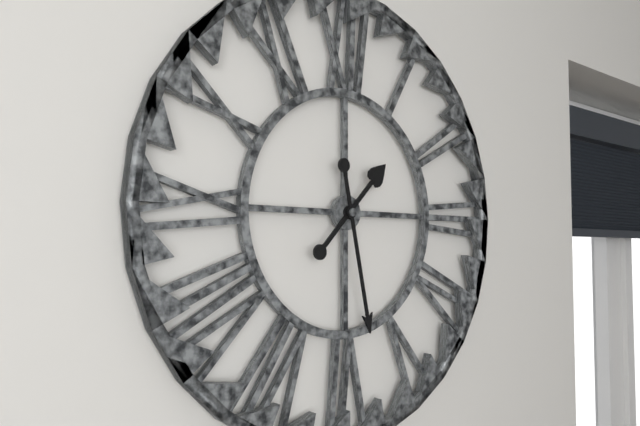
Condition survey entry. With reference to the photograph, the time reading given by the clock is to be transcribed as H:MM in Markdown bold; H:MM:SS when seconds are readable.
**1:28**
